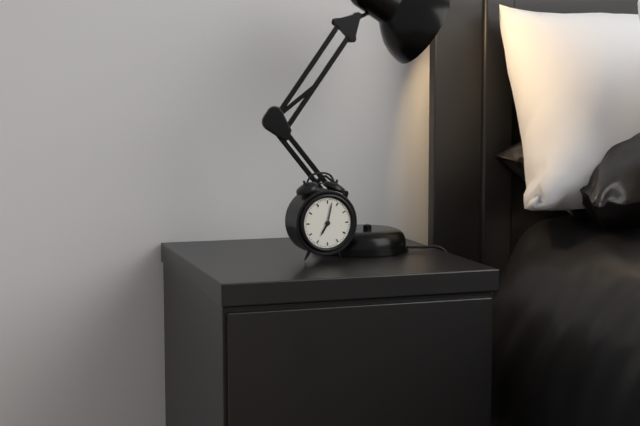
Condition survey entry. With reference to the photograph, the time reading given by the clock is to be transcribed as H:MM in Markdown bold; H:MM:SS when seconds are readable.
**7:02**
